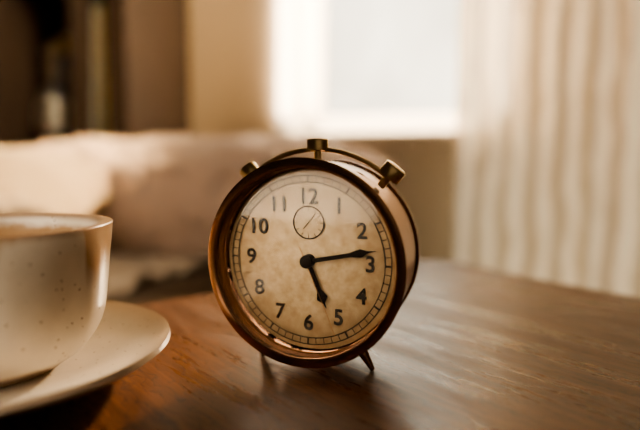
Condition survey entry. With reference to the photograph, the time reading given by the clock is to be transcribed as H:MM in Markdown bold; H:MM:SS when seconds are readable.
**5:13:26**
